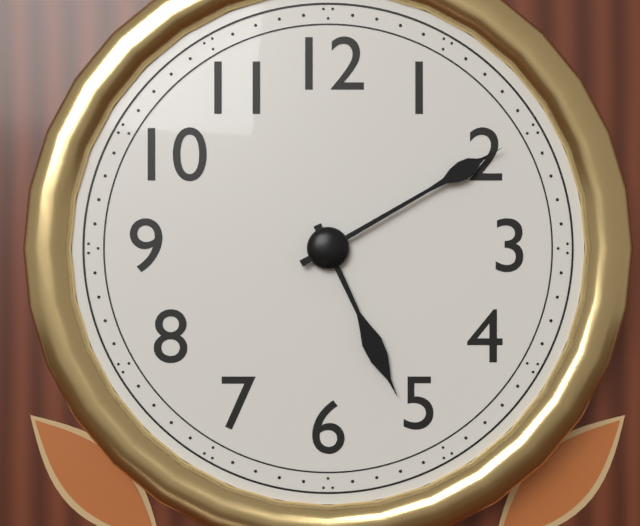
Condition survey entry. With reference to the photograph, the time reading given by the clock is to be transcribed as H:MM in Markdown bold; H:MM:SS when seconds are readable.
**5:10**
